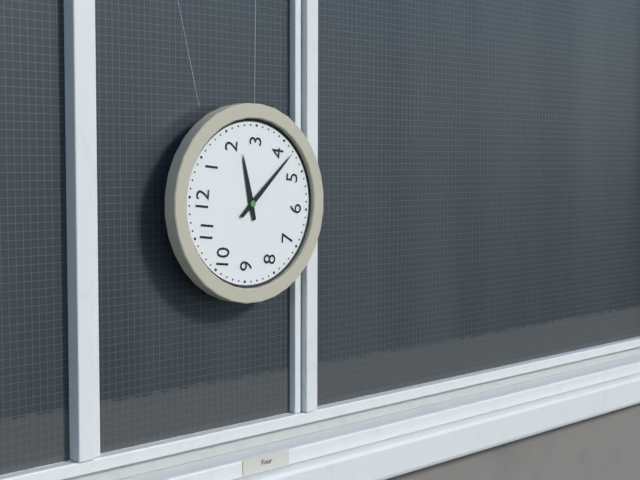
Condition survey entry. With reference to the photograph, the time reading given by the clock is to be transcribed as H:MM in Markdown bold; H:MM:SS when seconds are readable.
**2:22**
